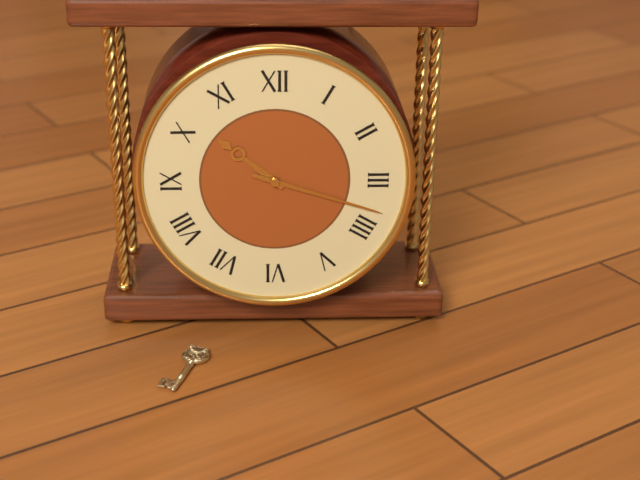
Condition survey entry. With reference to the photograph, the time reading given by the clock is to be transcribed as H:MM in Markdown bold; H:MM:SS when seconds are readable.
**10:18**
